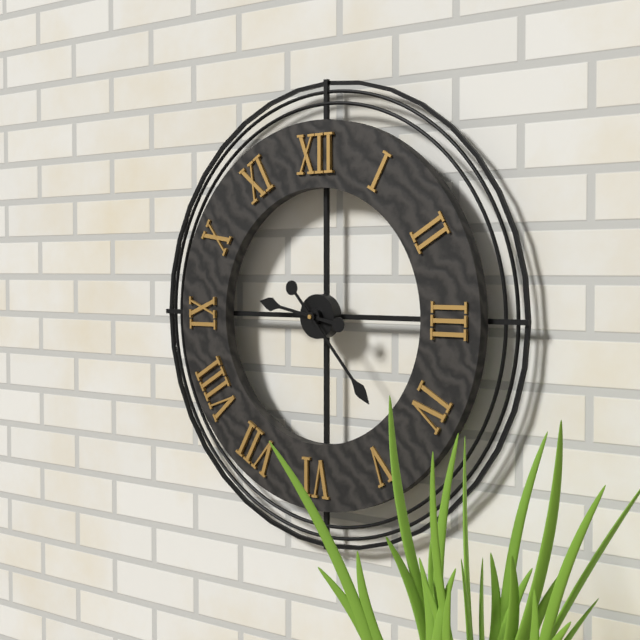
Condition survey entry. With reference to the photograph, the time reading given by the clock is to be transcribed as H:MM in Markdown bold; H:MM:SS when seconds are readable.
**9:23**
